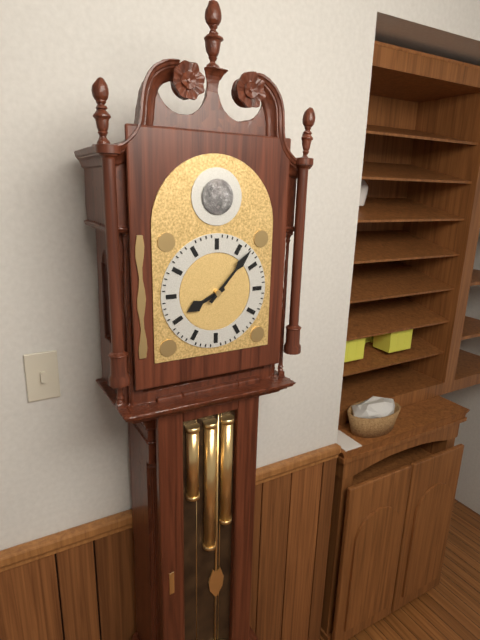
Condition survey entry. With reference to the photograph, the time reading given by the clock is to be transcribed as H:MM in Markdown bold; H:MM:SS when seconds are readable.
**8:07**
